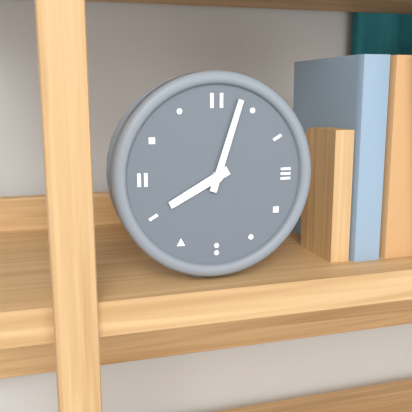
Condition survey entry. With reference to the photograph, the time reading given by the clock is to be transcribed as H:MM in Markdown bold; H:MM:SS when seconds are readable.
**8:03**
